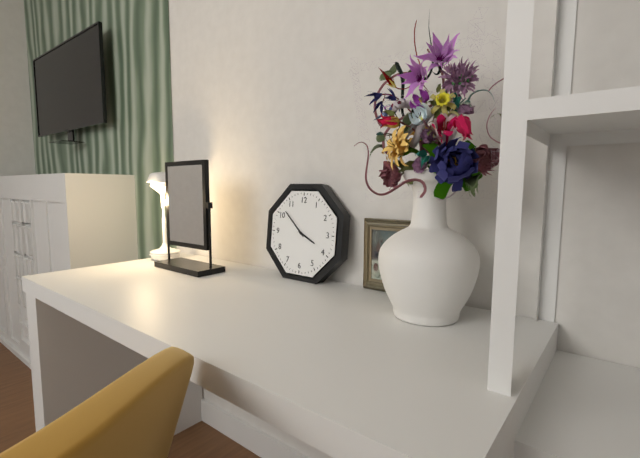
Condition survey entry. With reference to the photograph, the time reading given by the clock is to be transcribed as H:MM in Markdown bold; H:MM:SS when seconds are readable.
**3:52**
